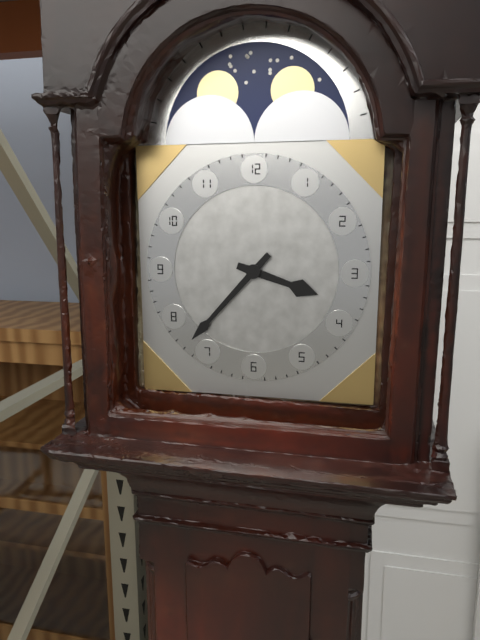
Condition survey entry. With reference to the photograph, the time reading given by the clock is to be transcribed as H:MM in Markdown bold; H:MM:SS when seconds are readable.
**3:37**
